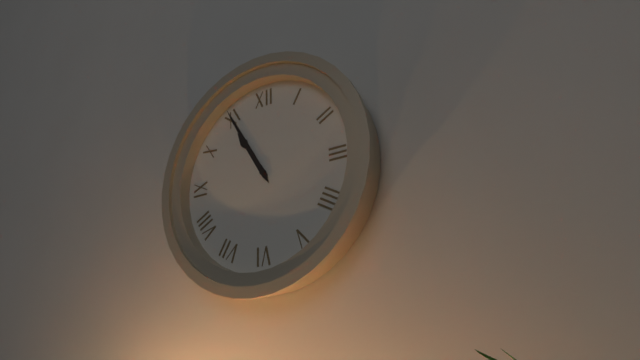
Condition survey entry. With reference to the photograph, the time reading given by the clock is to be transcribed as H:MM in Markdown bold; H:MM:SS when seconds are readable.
**10:55**
